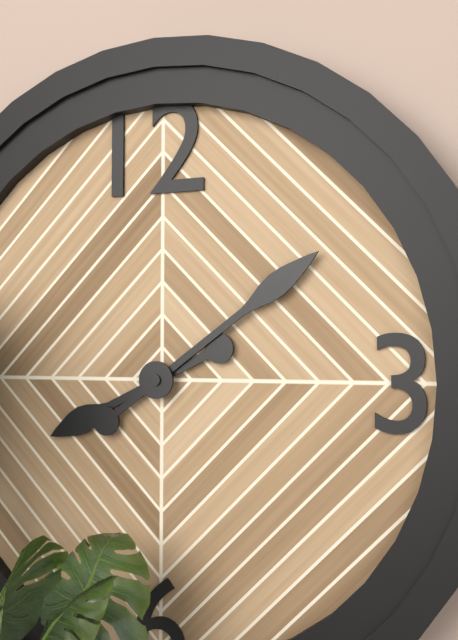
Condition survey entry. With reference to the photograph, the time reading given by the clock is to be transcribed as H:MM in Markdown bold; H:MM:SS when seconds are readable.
**8:09**
